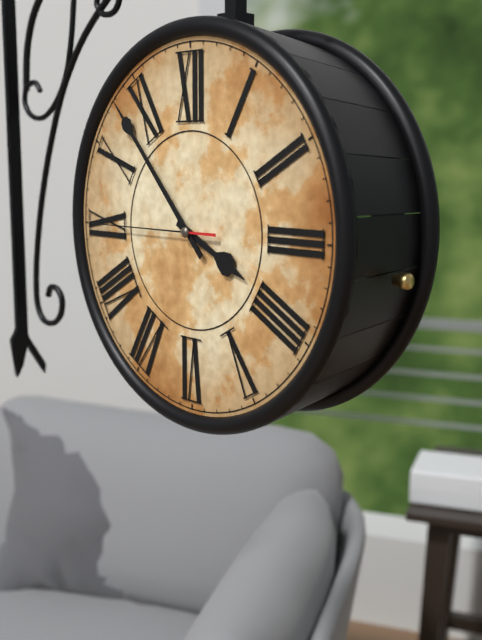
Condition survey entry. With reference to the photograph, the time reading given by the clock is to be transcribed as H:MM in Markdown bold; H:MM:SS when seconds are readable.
**3:53:45**
